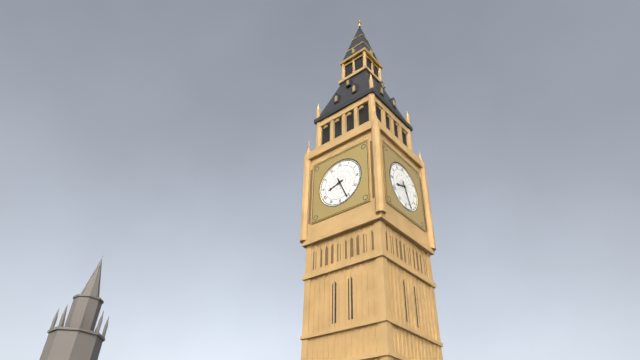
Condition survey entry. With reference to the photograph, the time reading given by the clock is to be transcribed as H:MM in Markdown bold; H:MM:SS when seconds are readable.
**8:26**
